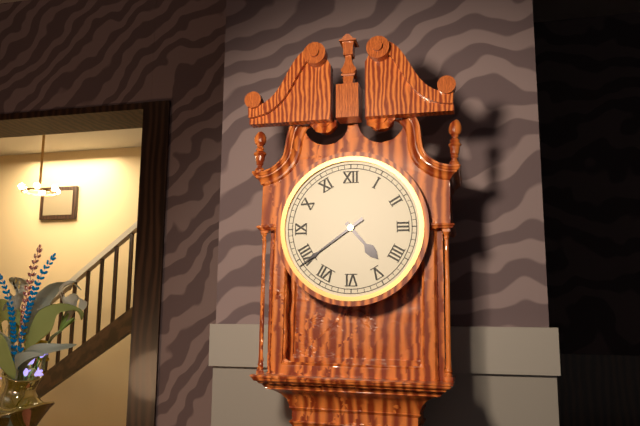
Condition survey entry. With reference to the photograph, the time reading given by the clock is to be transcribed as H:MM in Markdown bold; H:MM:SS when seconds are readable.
**4:39**
